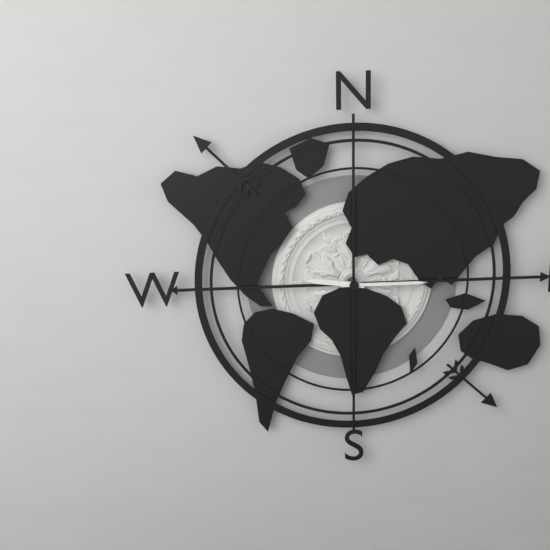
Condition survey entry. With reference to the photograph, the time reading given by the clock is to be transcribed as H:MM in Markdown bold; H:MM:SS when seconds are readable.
**9:15**
